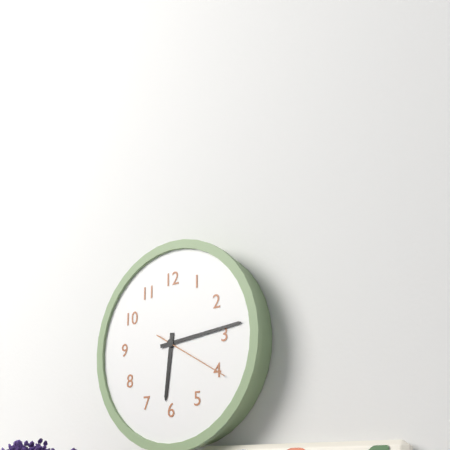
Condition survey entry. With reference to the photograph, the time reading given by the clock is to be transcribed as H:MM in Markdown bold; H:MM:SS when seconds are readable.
**6:14:20**
